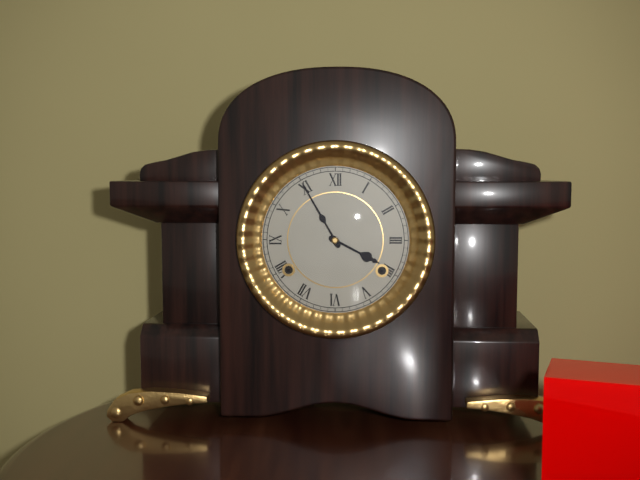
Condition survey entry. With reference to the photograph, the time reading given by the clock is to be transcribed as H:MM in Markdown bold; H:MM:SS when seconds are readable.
**3:55**
